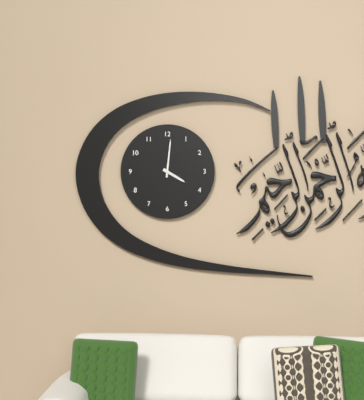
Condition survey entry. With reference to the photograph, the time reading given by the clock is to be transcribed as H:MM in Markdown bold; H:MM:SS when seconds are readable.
**4:01**
